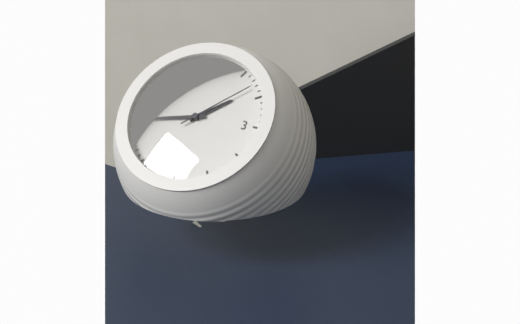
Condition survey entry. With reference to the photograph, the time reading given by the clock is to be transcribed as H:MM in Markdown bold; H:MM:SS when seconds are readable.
**1:43:08**
